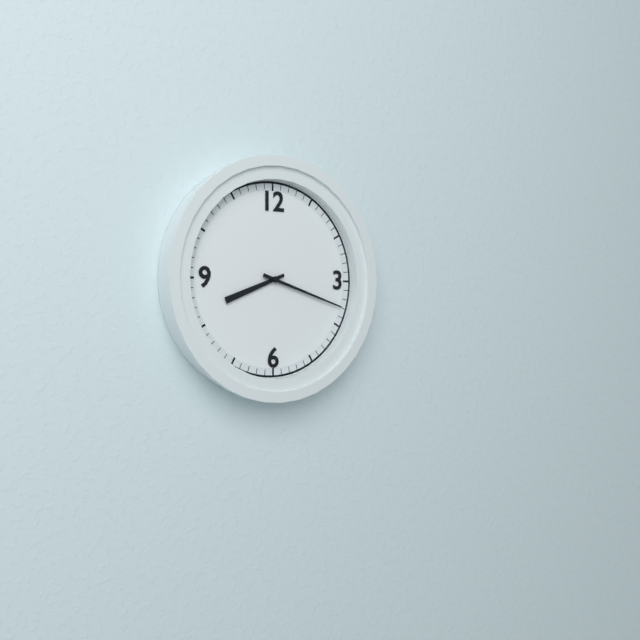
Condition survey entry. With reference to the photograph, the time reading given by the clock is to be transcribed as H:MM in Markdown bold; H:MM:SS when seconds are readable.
**8:18**
